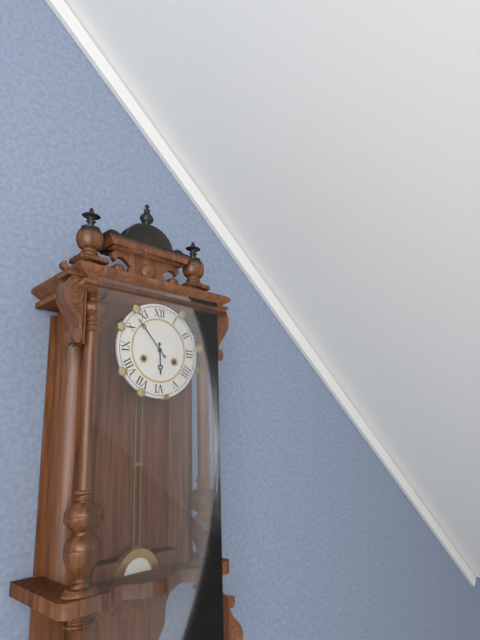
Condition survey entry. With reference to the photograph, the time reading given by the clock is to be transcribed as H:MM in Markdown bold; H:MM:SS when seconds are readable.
**5:53**
